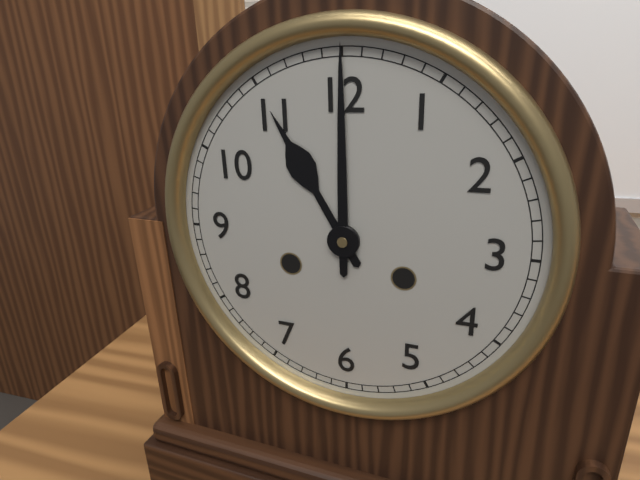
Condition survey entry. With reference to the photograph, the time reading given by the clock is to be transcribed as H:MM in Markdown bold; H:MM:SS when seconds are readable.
**11:00**
